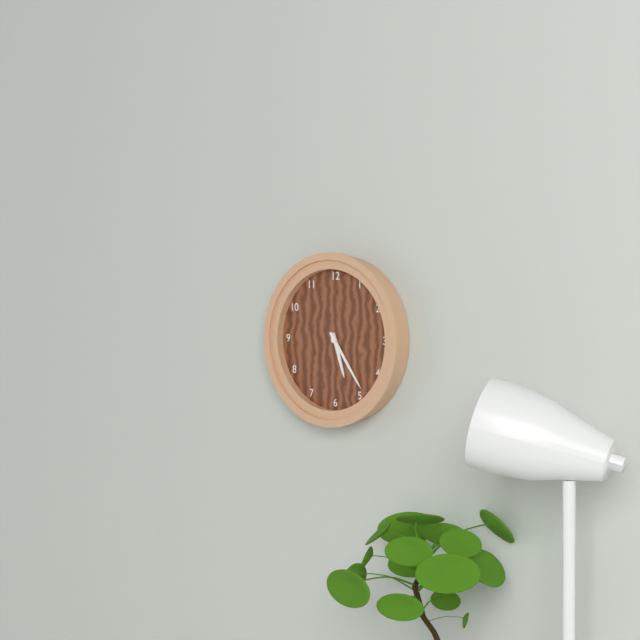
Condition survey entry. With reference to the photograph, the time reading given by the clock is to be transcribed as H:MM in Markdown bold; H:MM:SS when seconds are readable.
**5:24**
